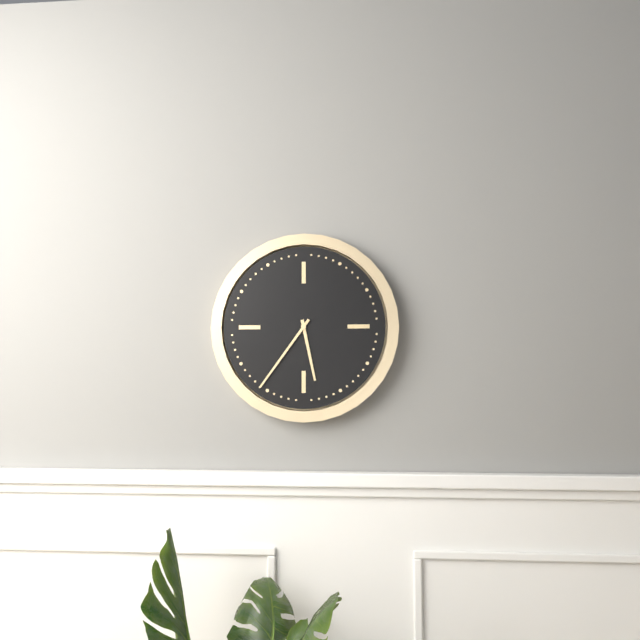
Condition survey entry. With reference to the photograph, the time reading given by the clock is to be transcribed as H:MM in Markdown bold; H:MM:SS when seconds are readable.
**5:36**
